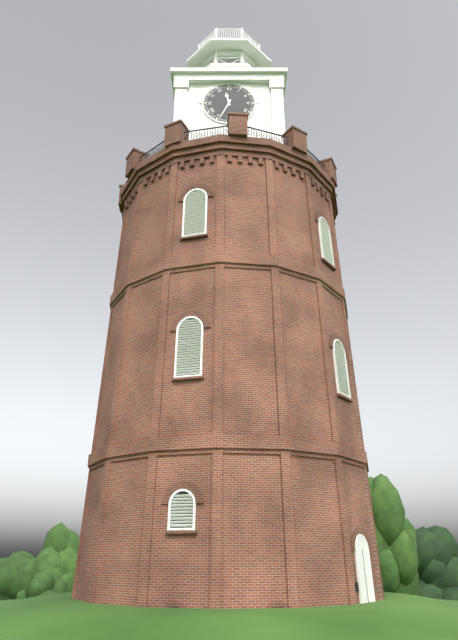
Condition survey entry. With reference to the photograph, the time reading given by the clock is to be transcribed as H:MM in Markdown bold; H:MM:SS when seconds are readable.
**11:34**
